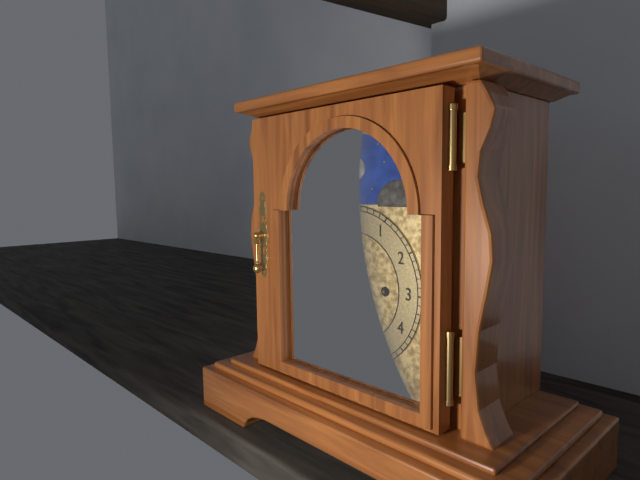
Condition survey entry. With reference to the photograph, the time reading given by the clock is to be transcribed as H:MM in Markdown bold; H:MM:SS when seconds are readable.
**11:32**
